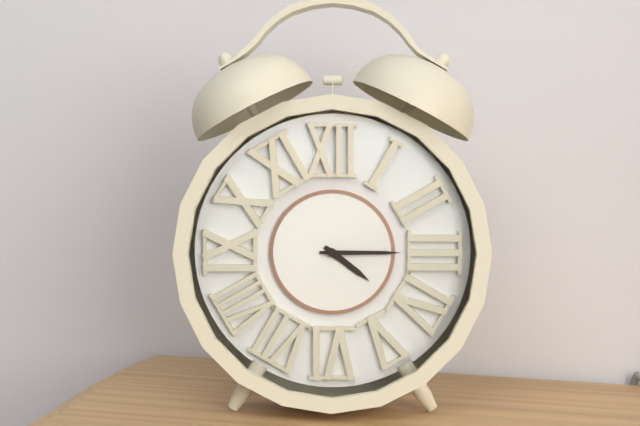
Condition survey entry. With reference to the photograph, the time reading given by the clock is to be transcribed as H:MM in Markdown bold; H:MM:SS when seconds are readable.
**4:15**
